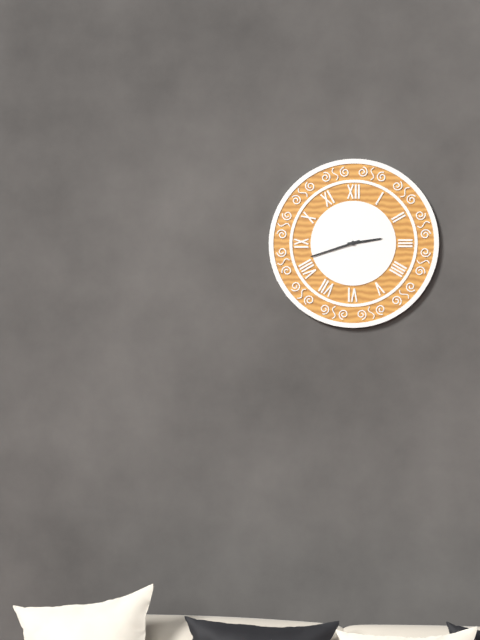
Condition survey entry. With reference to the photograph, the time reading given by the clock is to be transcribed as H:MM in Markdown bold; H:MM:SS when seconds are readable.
**2:42**
